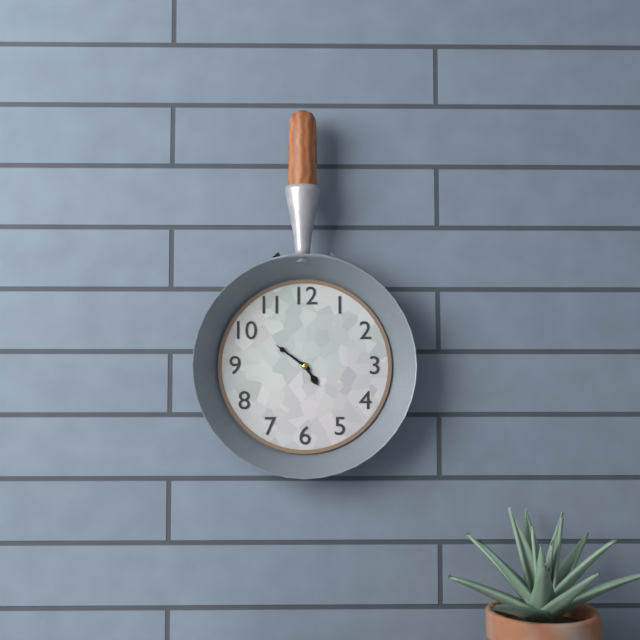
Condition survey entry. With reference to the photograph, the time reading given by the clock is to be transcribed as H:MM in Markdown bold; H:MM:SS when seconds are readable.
**4:51**
